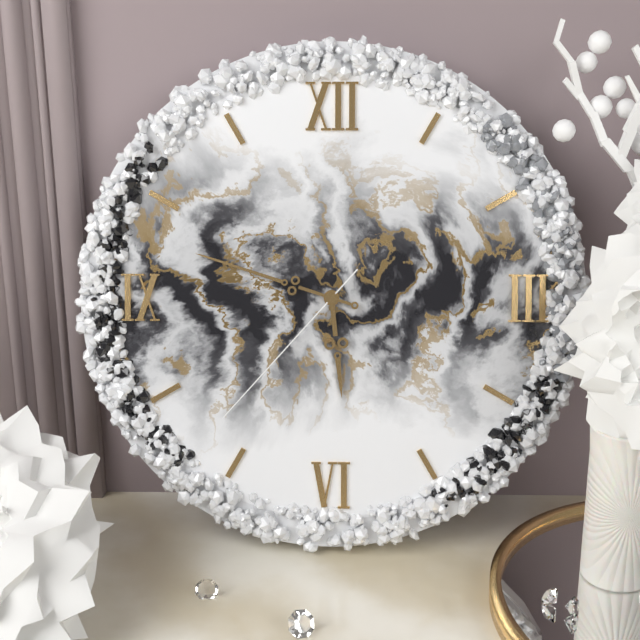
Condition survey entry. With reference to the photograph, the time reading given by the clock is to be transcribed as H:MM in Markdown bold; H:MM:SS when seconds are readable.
**5:48:37**
